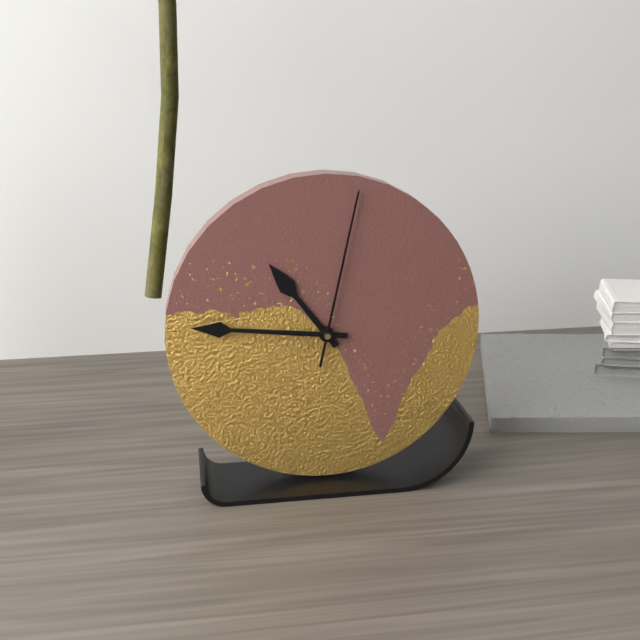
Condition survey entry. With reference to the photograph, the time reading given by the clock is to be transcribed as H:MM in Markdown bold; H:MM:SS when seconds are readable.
**10:46:02**
